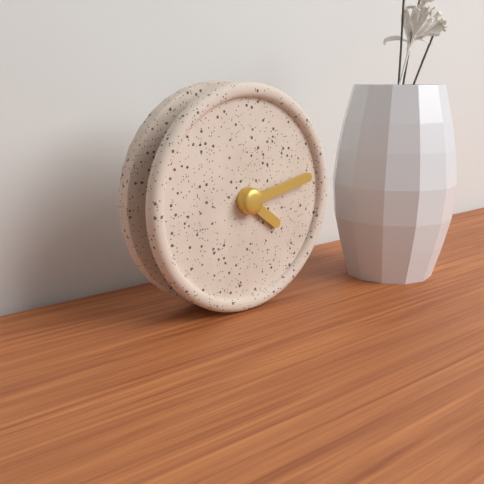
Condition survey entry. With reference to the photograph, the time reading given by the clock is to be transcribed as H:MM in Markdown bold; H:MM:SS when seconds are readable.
**4:13**
